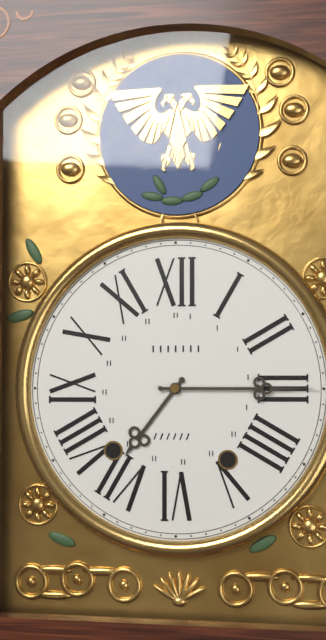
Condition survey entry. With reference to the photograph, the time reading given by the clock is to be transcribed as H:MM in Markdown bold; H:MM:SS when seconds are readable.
**7:15**
